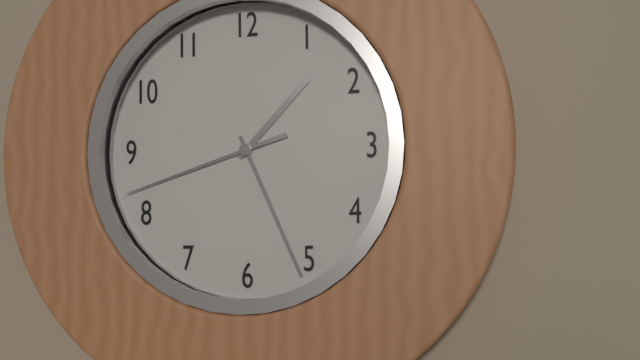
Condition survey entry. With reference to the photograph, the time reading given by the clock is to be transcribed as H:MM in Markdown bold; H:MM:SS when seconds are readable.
**1:26:42**
